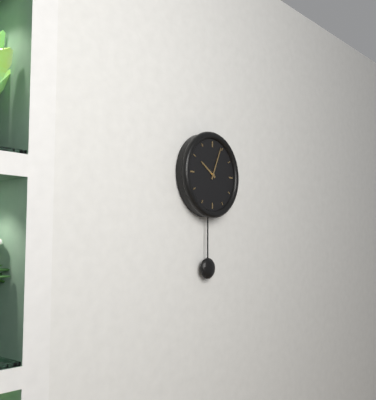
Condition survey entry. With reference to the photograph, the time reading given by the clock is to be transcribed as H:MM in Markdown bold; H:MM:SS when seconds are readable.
**10:04**
